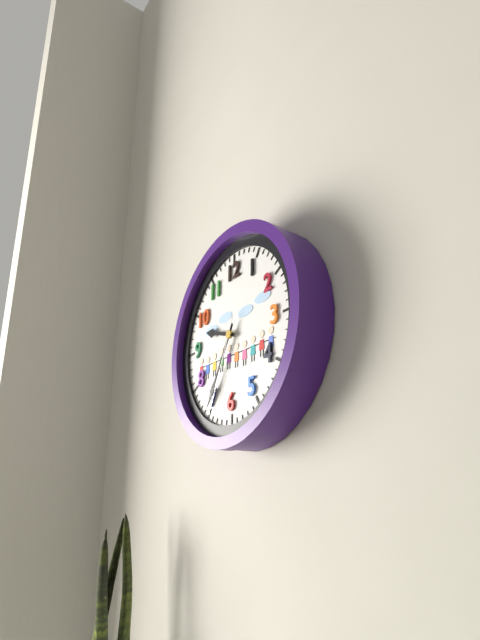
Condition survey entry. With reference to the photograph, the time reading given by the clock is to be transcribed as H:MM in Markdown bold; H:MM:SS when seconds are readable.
**9:35:34**
